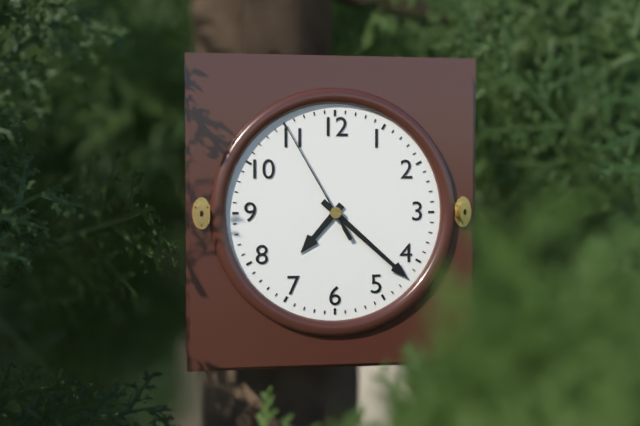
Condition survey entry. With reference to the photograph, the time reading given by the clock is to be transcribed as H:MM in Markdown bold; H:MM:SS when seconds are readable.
**7:22:55**
